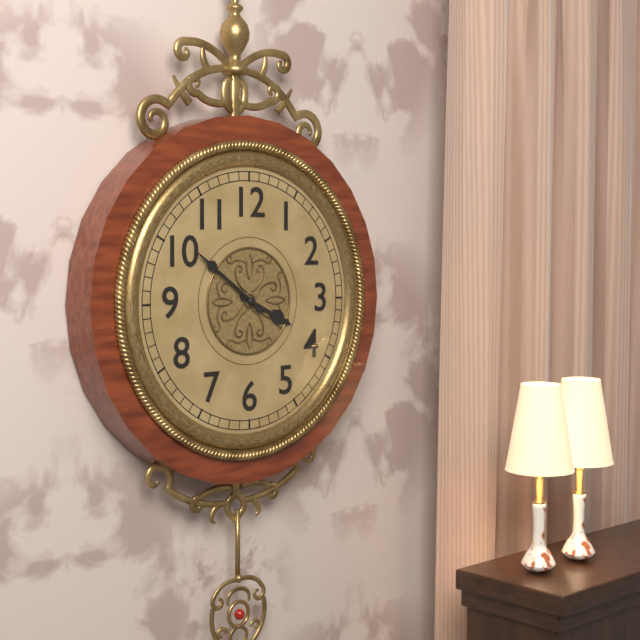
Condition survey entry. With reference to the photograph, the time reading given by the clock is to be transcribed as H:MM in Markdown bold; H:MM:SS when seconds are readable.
**3:51**
